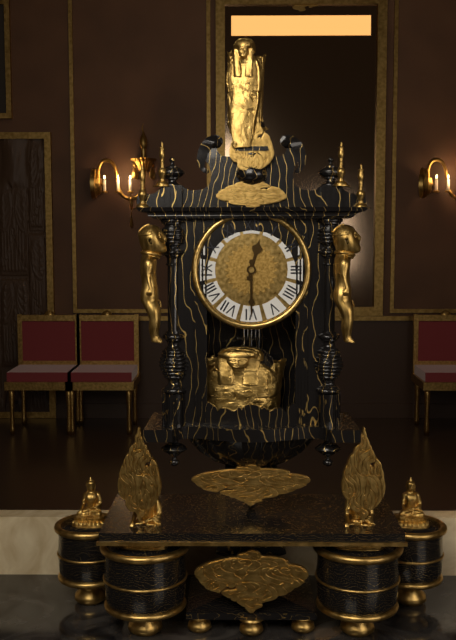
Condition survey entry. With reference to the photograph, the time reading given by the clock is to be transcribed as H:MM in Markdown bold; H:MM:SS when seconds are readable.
**12:30**
